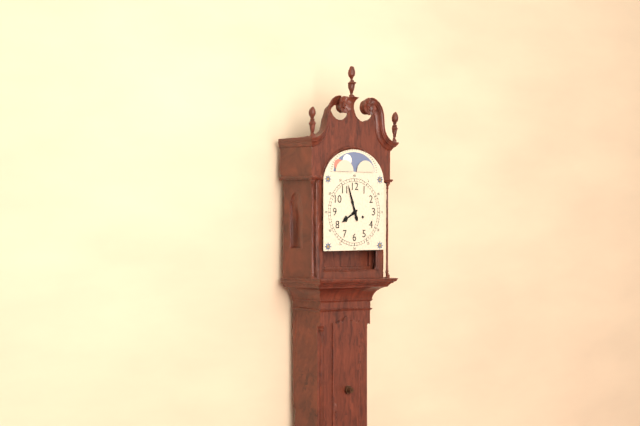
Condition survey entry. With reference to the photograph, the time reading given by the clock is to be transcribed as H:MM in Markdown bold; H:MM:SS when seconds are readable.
**7:57**
